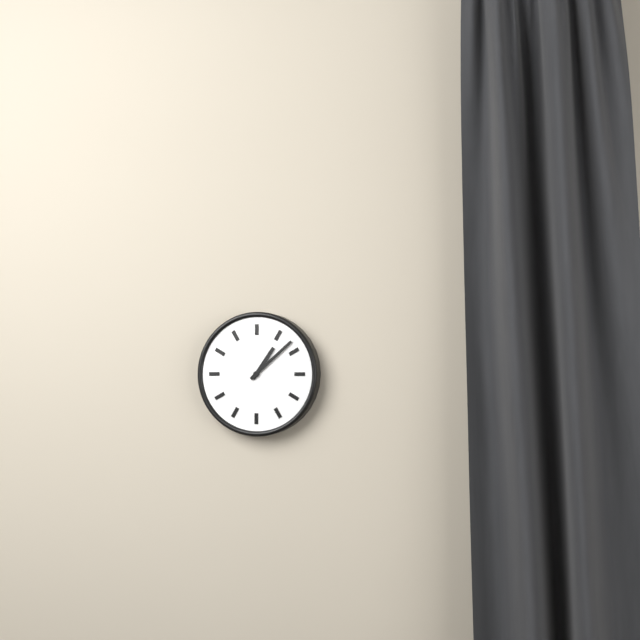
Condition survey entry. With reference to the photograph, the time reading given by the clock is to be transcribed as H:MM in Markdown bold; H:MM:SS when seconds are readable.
**1:08**
